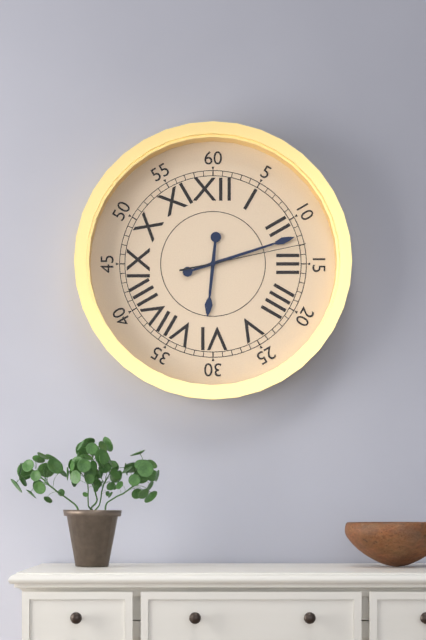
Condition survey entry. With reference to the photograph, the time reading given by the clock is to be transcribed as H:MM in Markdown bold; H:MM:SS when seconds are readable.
**6:12:13**
